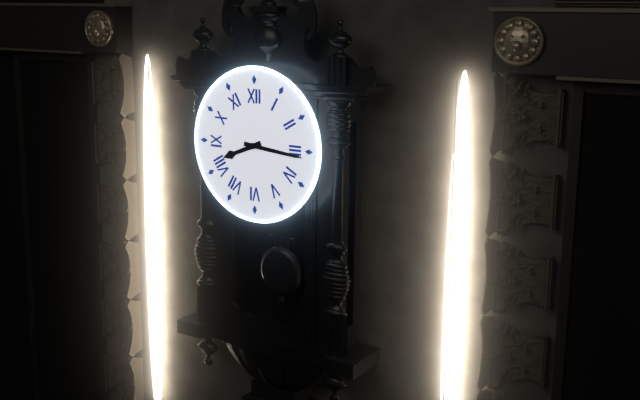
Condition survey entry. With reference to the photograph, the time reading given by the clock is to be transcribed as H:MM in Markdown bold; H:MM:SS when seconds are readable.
**8:16**
